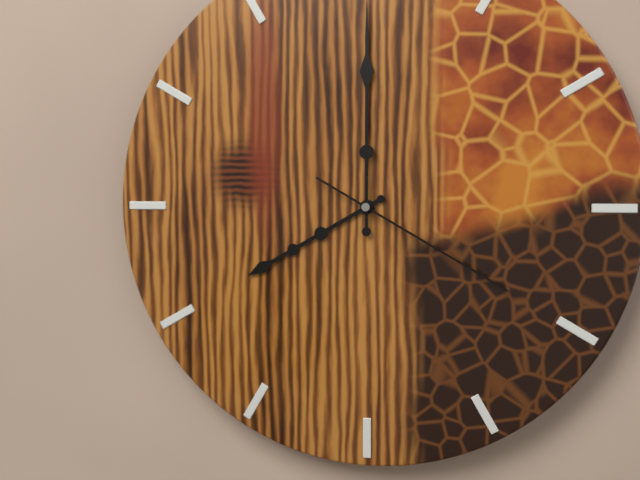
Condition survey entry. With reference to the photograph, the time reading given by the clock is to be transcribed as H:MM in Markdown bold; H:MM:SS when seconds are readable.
**8:00:20**
